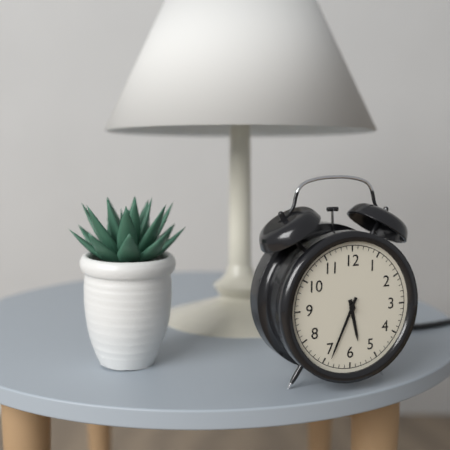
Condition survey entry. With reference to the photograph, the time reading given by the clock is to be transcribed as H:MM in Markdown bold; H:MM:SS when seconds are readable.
**5:34**
